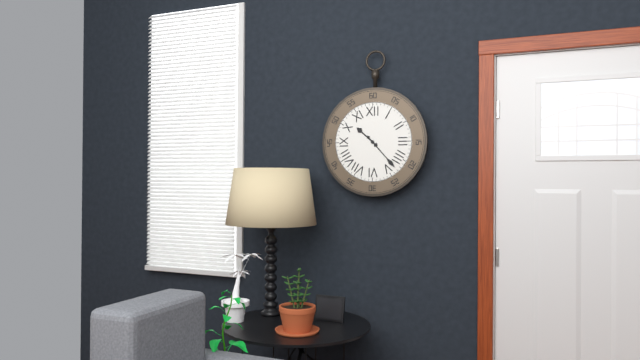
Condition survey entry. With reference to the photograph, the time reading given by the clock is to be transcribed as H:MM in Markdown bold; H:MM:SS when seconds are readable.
**10:23**
